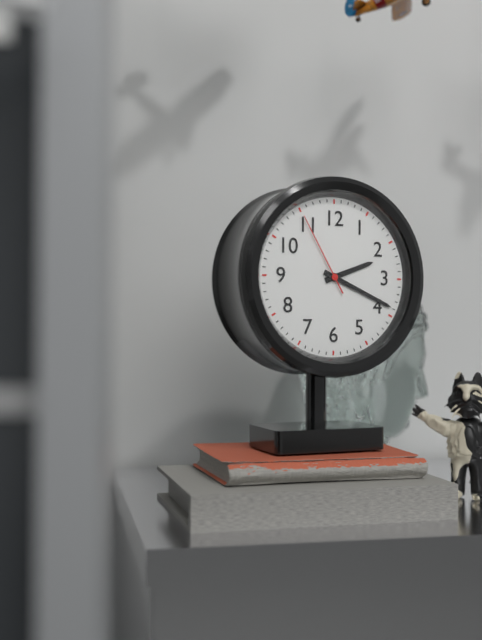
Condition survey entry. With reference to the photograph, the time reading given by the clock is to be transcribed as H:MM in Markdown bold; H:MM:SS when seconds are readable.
**2:19:55**
